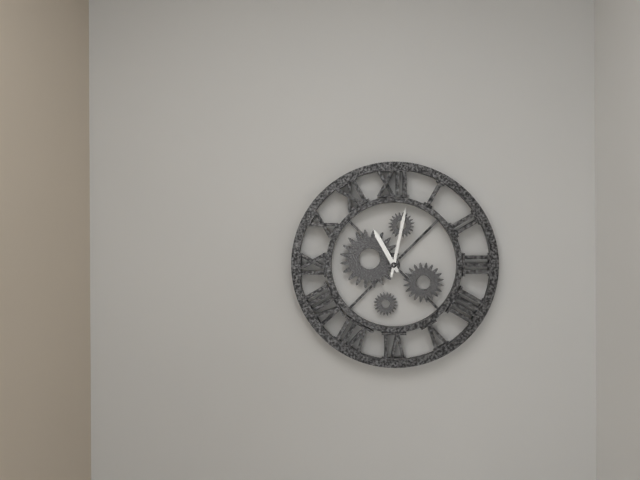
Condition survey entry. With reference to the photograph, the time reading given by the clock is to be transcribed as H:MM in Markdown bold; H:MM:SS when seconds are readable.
**11:02**
